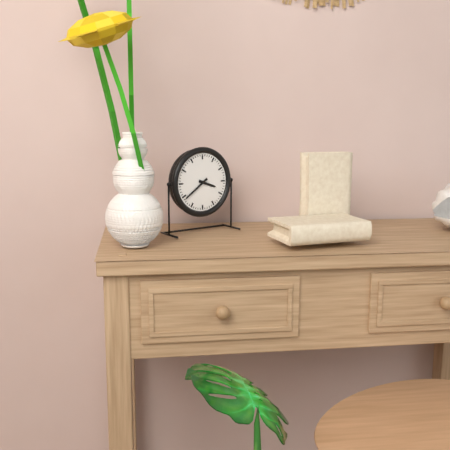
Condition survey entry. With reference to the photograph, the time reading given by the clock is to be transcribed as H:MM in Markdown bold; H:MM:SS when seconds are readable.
**3:39**
